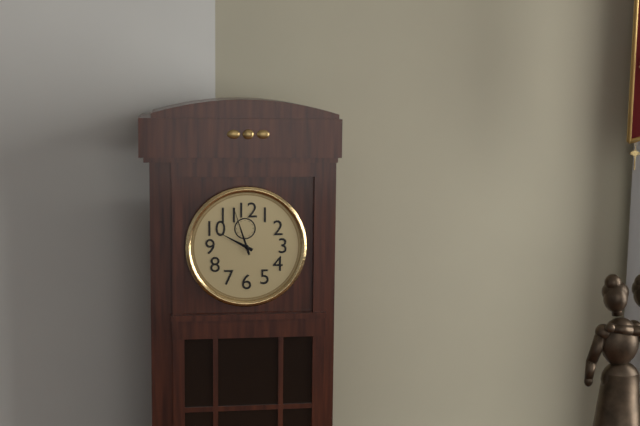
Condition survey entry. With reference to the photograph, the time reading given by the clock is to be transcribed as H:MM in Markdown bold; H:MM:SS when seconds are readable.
**9:57**
